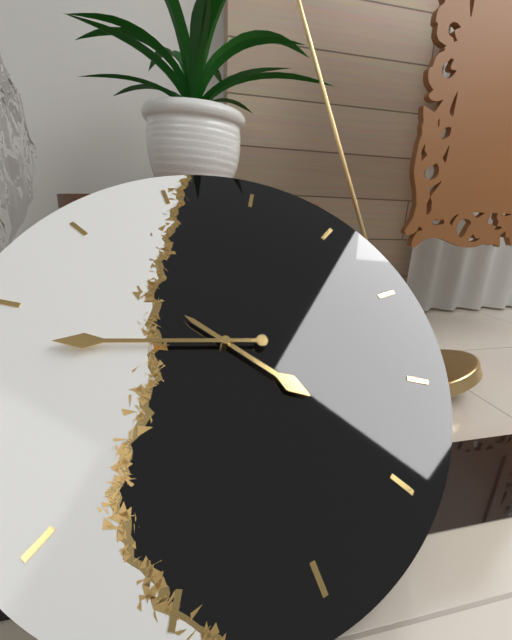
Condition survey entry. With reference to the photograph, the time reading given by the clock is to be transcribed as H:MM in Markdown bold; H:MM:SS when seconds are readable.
**4:48**
